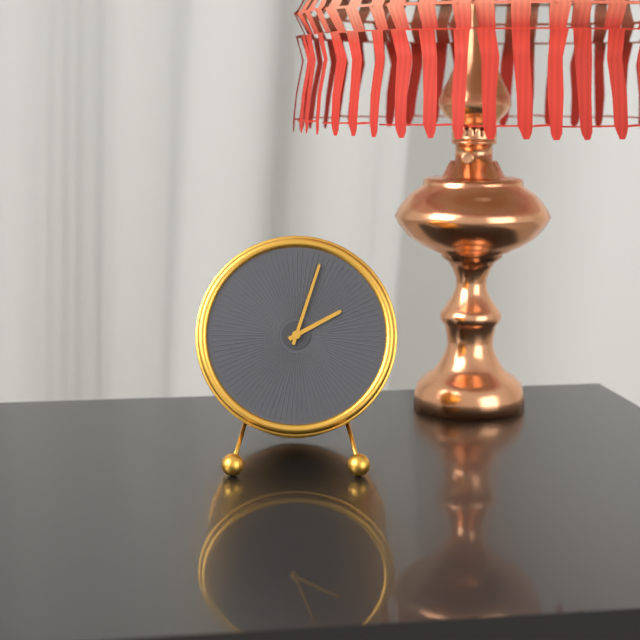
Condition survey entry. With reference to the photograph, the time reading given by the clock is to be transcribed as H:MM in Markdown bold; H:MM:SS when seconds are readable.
**2:03**
